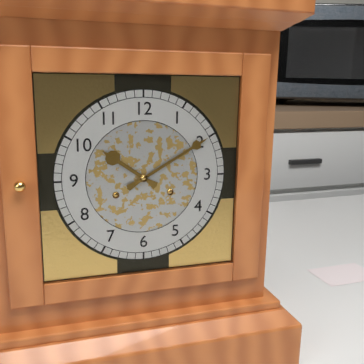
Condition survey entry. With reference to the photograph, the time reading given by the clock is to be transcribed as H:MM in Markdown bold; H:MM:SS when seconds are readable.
**10:10**
